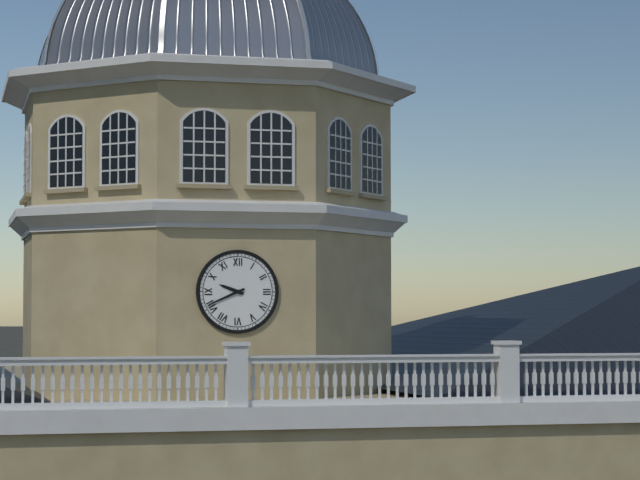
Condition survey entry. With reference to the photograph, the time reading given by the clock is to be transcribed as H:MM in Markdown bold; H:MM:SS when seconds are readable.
**9:41**
